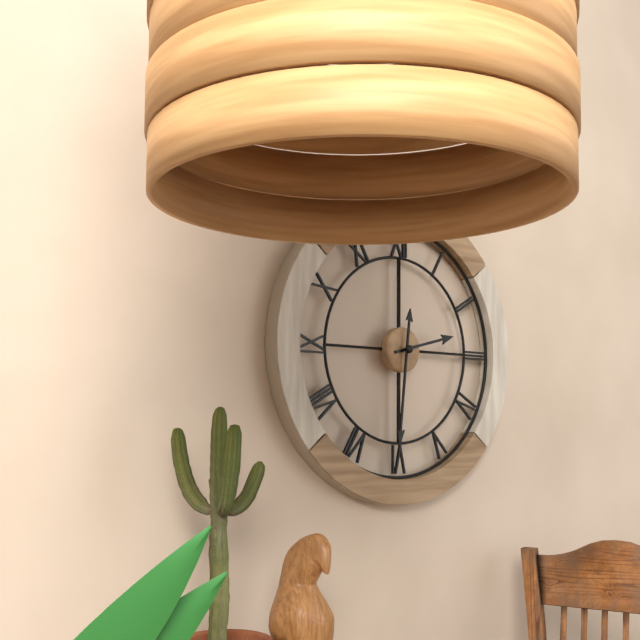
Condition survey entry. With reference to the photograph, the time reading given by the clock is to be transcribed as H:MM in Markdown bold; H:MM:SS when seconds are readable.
**2:31**
